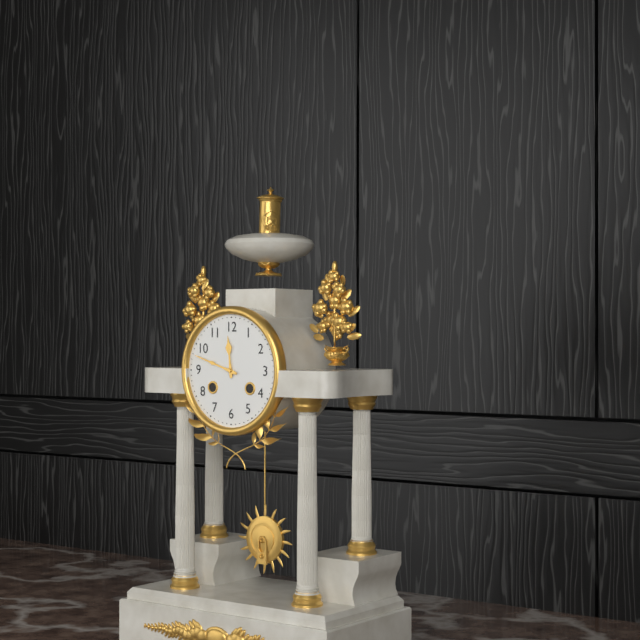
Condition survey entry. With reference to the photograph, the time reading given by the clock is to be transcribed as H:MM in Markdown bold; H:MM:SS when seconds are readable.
**11:48**
